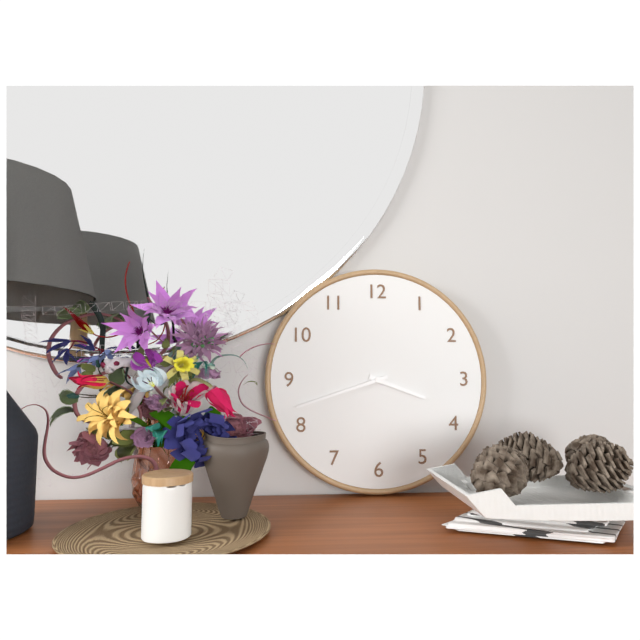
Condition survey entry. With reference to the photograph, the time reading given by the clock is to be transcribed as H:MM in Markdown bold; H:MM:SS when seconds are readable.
**3:42**
